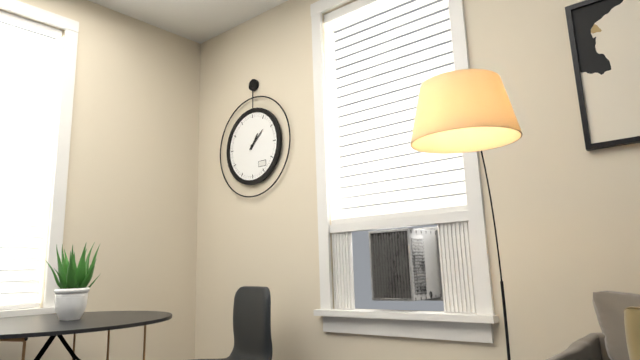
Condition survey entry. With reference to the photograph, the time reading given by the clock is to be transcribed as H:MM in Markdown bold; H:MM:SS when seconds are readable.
**1:08**
